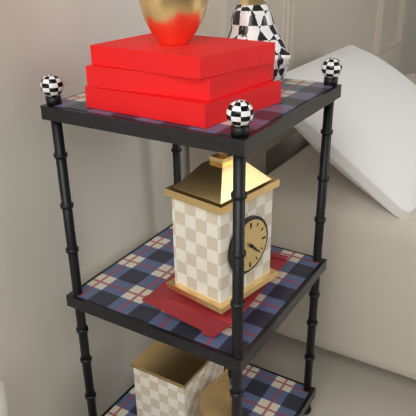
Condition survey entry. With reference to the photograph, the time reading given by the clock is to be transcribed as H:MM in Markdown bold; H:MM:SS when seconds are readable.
**4:22**
